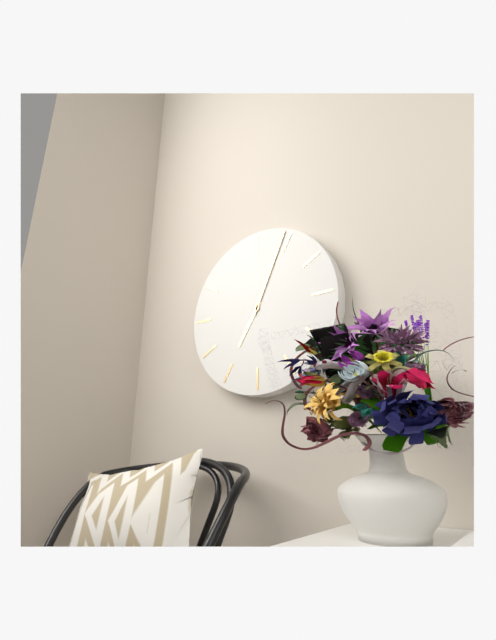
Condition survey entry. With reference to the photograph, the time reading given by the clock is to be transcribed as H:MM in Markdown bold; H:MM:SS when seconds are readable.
**7:04**
